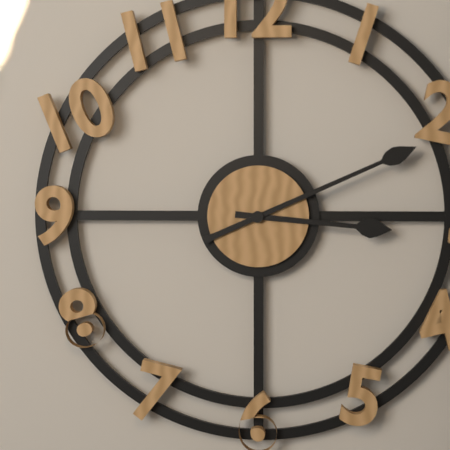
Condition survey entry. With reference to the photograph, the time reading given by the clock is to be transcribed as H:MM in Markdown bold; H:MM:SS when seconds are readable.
**3:11**
